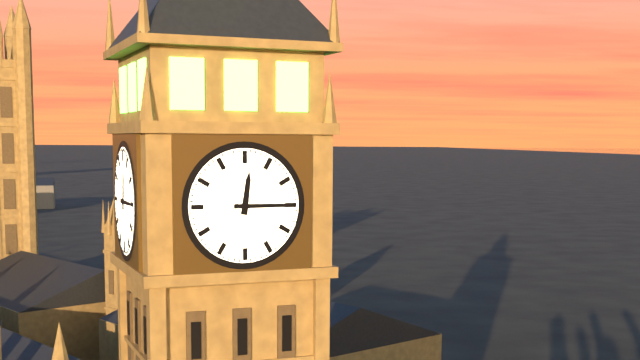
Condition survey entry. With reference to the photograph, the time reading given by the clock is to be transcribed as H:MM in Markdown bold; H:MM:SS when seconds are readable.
**12:15**
